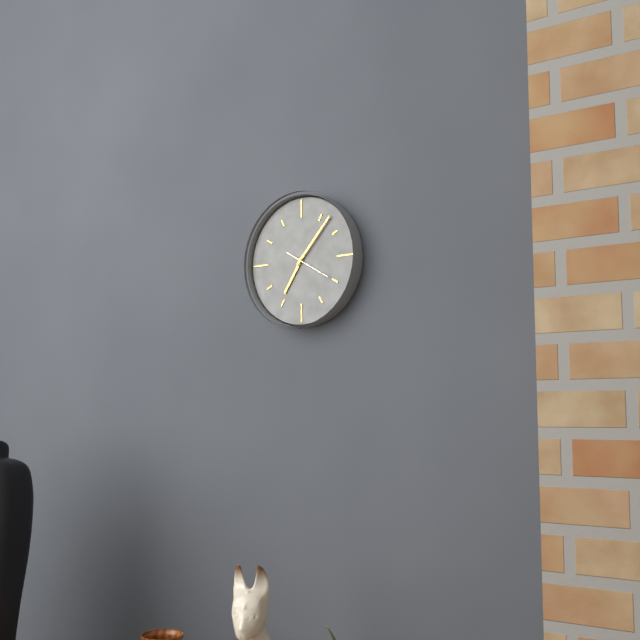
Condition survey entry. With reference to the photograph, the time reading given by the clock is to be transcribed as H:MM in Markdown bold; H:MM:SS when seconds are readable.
**7:07**
